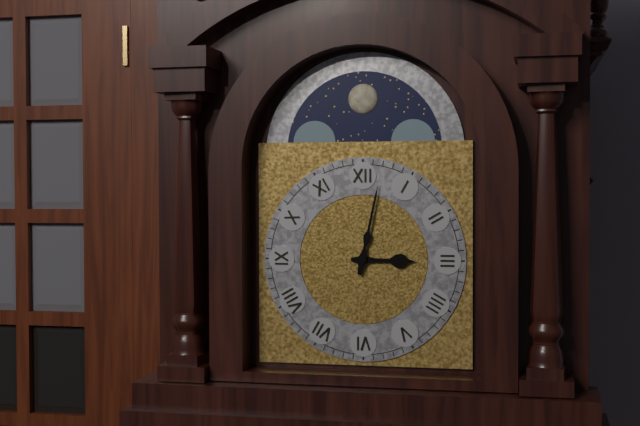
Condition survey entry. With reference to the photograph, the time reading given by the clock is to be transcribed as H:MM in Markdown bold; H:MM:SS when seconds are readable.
**3:02**
